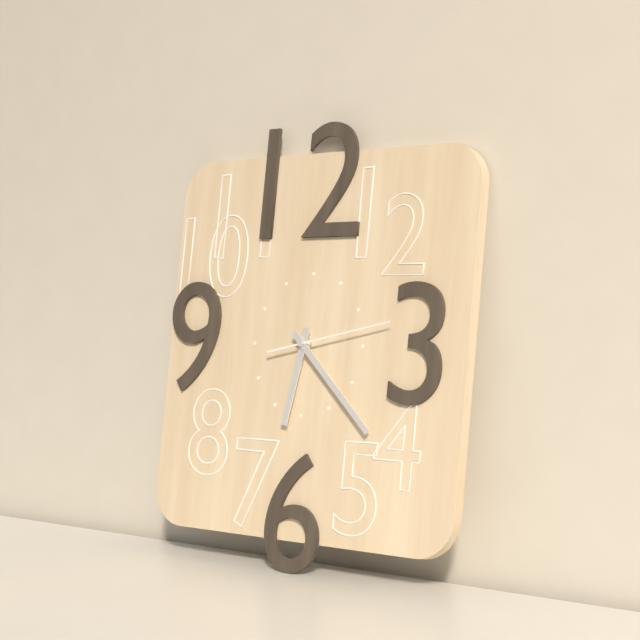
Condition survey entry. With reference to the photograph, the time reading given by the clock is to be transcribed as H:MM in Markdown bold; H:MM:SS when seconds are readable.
**6:22:13**
